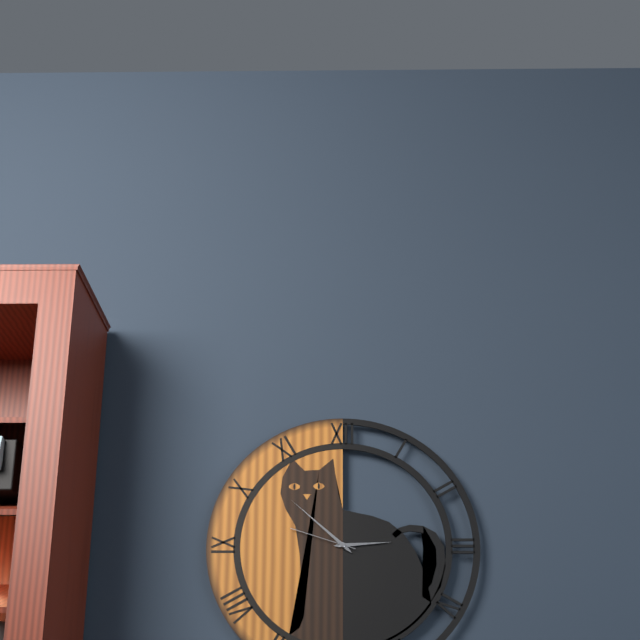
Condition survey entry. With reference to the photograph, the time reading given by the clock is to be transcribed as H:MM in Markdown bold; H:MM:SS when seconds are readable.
**2:52:48**
